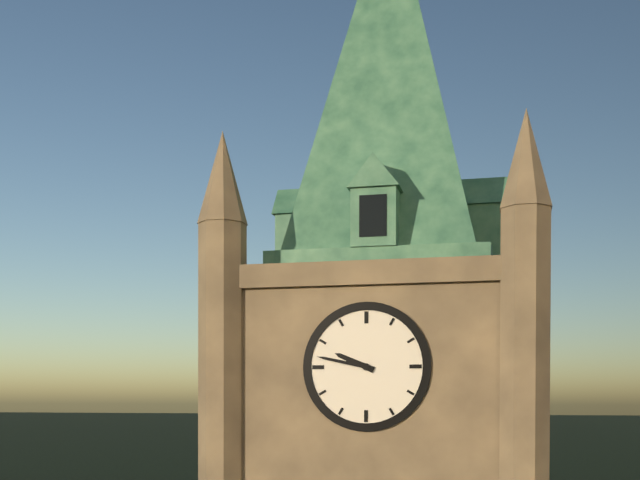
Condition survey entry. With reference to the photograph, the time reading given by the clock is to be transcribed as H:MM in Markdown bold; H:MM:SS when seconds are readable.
**9:47**
